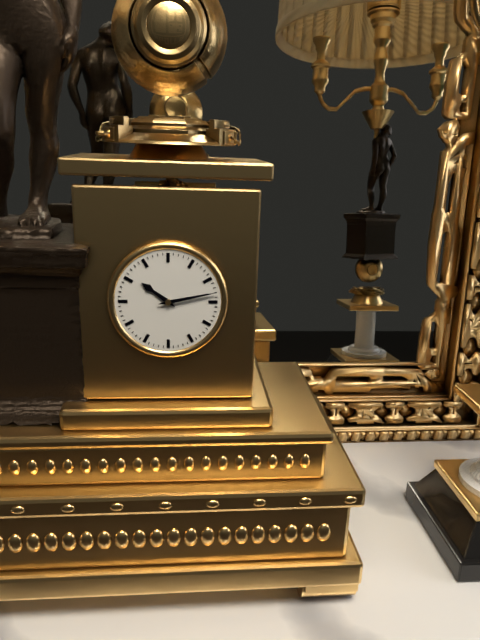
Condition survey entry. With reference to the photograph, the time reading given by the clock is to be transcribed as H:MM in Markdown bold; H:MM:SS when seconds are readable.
**10:13**
